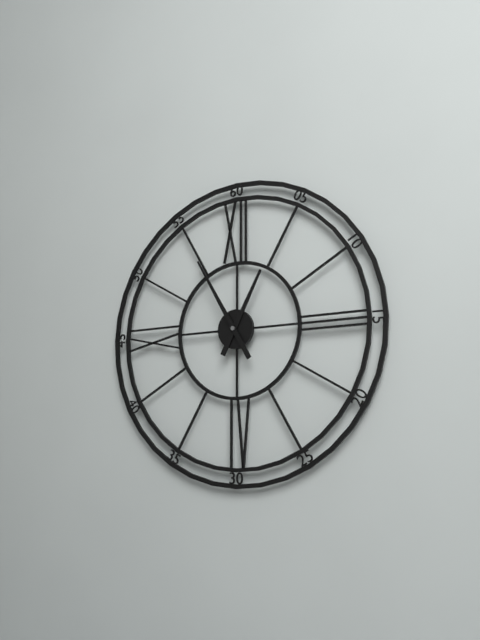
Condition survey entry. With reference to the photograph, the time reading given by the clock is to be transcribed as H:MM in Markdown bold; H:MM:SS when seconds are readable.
**12:55**
